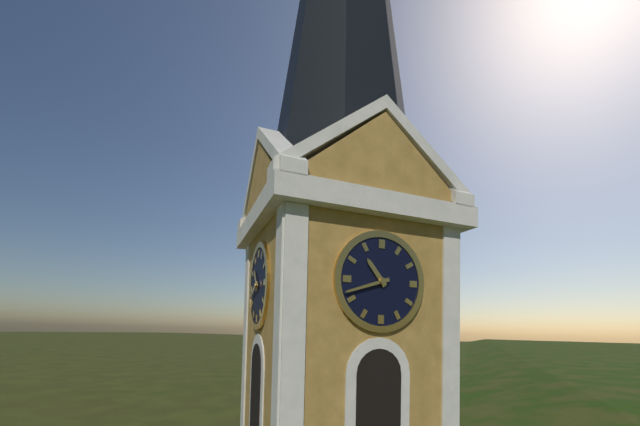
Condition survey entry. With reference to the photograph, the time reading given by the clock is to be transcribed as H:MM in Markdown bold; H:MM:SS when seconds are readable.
**10:42**
